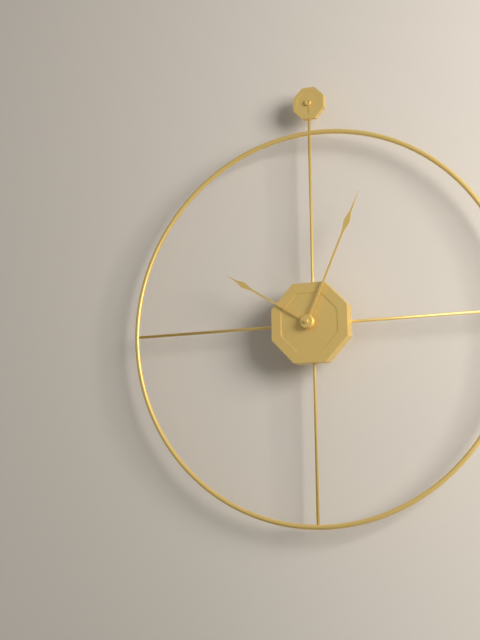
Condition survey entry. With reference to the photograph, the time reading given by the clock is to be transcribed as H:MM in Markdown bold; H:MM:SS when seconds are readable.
**10:04**
